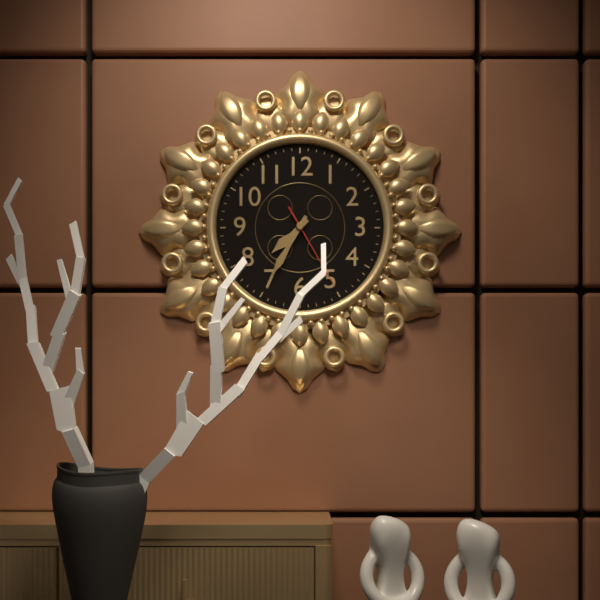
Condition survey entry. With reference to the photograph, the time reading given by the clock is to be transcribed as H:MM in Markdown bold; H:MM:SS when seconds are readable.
**7:35:25**
